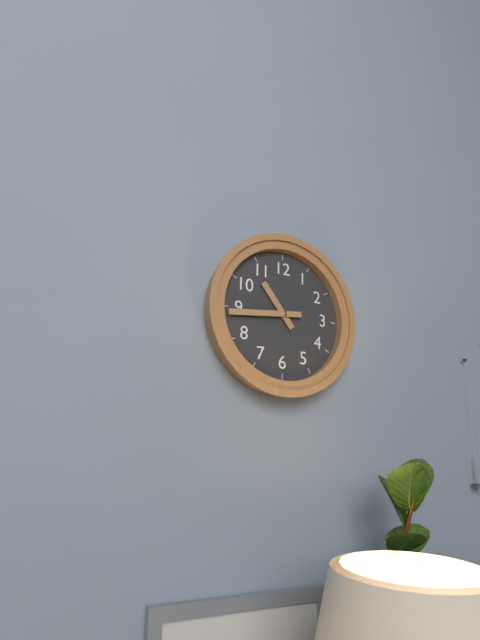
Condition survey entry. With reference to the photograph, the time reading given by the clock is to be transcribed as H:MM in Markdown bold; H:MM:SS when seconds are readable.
**10:44**
